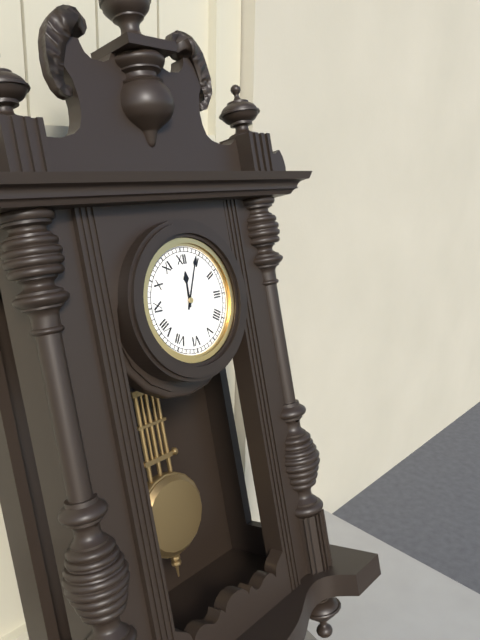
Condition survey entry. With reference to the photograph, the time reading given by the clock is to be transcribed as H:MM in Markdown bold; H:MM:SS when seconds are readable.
**12:04**
